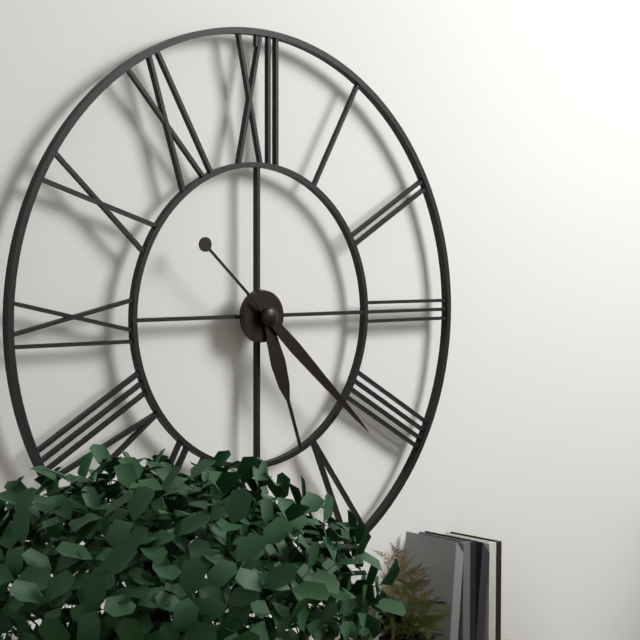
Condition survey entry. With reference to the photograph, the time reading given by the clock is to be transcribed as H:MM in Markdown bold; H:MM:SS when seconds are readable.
**5:22**
